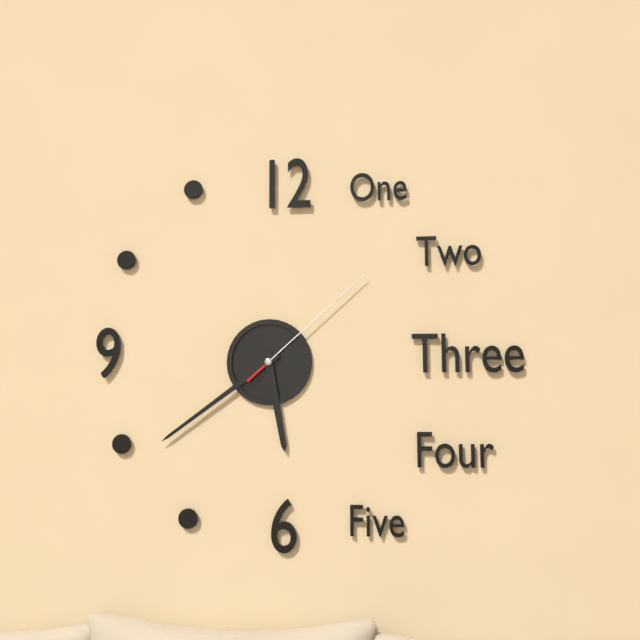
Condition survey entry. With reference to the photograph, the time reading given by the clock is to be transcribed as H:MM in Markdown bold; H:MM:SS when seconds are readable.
**5:39:08**
